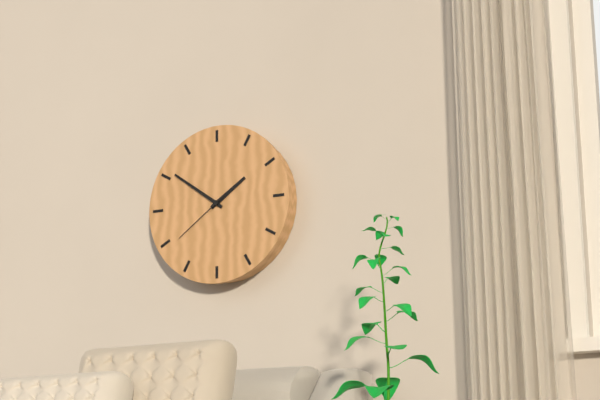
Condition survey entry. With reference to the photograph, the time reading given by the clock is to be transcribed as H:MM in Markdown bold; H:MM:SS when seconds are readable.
**1:51:39**
